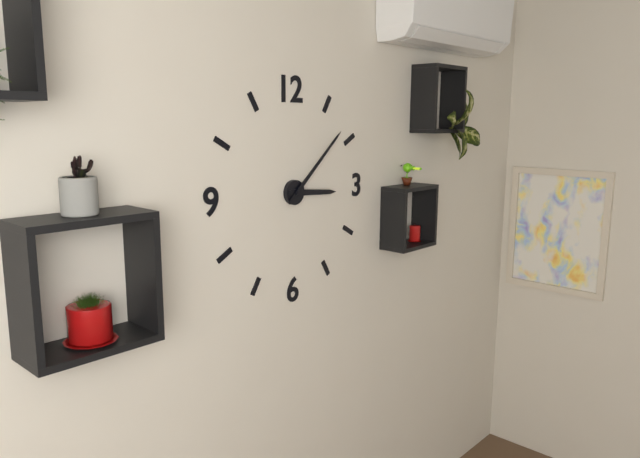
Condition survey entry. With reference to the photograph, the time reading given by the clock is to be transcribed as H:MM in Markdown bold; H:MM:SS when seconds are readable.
**3:08**
